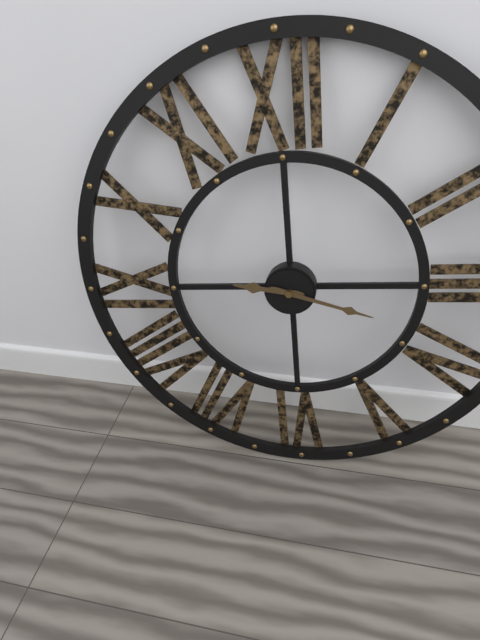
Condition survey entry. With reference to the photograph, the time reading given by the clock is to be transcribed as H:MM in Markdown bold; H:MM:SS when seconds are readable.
**9:18**
